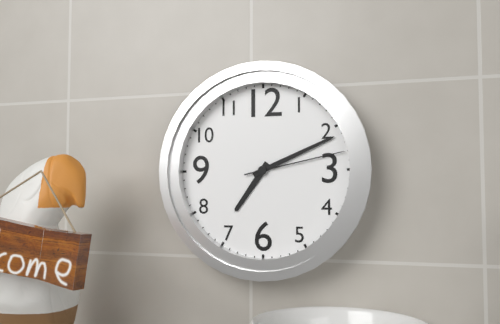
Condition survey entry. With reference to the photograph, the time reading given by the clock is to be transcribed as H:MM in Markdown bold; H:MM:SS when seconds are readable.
**7:11:13**
